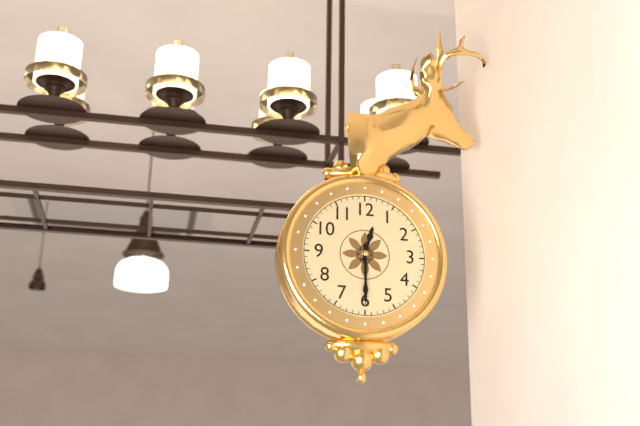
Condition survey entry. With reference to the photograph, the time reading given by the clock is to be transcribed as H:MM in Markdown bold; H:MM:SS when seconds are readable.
**12:30:30**
